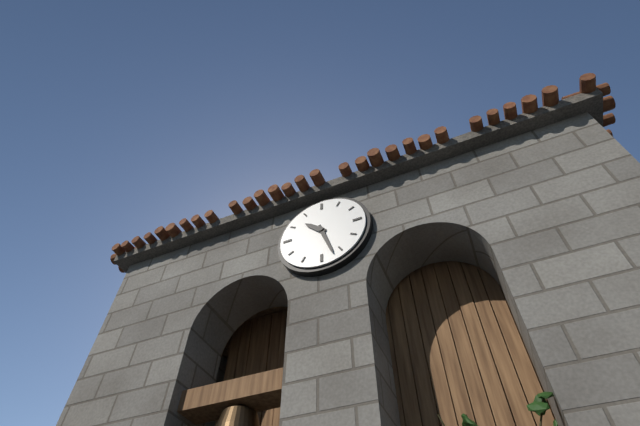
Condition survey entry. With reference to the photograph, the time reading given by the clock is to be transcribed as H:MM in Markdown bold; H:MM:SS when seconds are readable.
**10:27**
